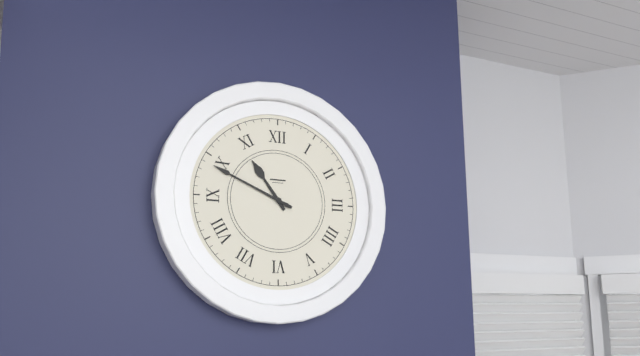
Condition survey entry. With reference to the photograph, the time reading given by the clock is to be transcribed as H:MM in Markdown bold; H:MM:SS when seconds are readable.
**10:49**
